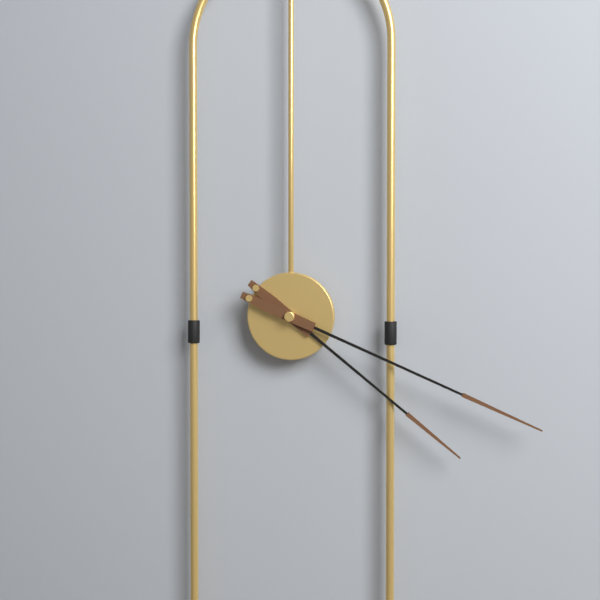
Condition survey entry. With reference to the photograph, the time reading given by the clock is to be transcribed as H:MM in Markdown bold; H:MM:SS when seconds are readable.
**4:19**
